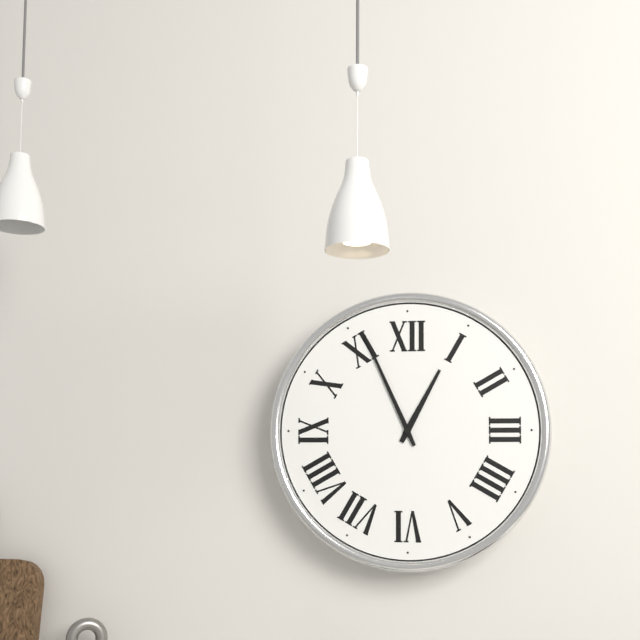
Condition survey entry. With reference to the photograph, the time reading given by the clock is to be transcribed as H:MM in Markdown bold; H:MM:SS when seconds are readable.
**12:56**
